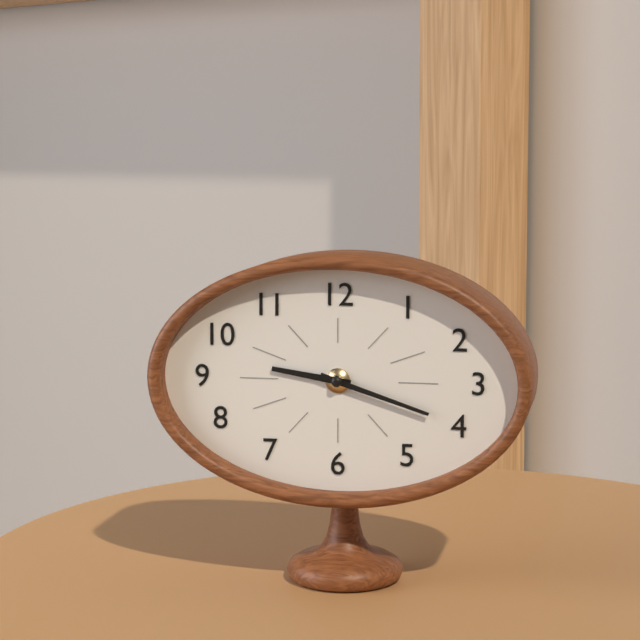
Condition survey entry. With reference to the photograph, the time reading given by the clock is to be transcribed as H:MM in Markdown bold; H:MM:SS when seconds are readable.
**9:18**
